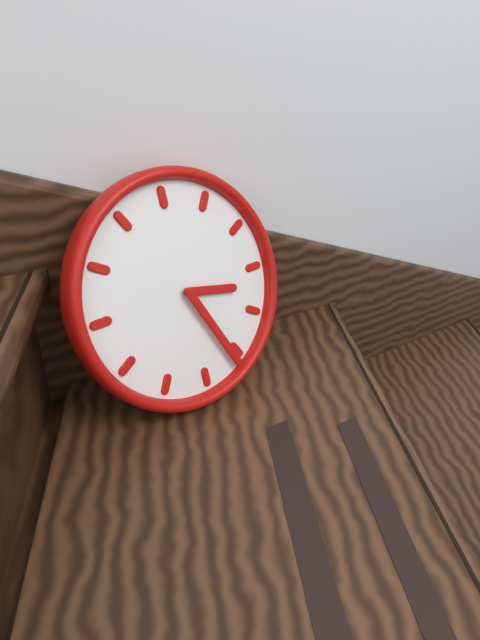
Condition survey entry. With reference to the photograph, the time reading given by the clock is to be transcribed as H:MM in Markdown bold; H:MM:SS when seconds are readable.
**3:26**
